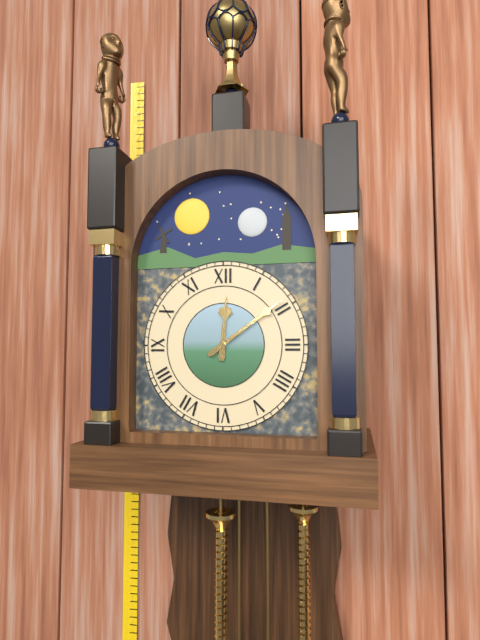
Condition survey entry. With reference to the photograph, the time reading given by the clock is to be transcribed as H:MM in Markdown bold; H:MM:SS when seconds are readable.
**12:09**
